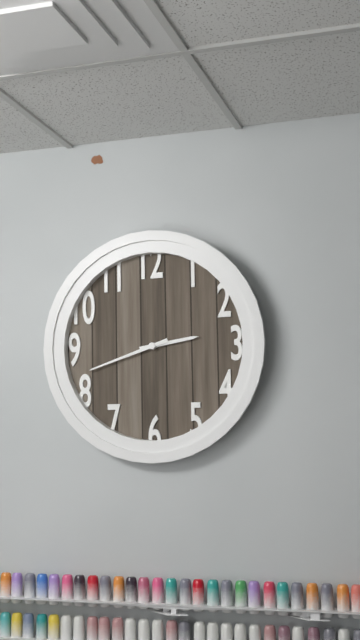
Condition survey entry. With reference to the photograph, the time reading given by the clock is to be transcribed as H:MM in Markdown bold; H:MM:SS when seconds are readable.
**2:42**
